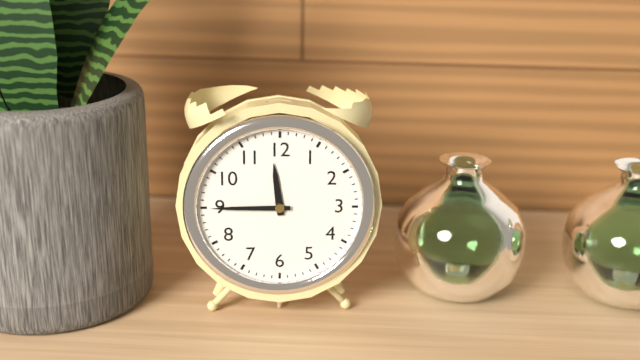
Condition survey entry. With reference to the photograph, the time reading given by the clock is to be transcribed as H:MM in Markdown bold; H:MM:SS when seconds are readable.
**11:45**
